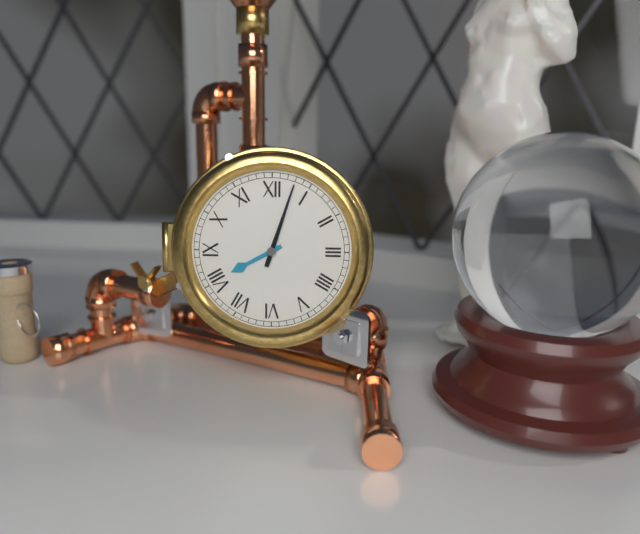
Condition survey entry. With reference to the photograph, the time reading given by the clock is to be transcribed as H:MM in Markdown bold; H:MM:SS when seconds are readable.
**8:03**
